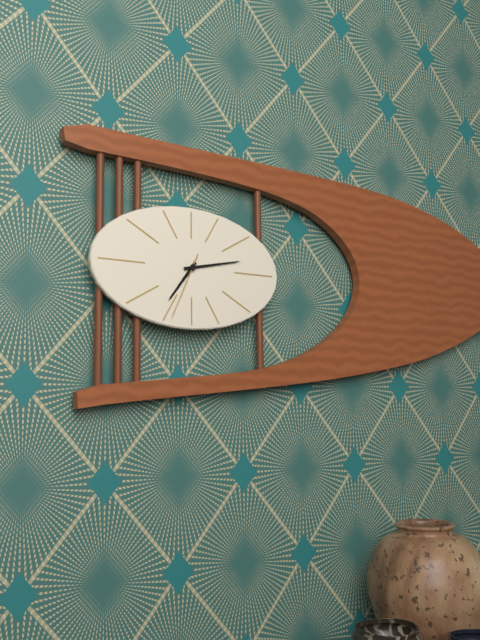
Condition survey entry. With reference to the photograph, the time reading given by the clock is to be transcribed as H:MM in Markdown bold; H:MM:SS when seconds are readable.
**7:13:34**
